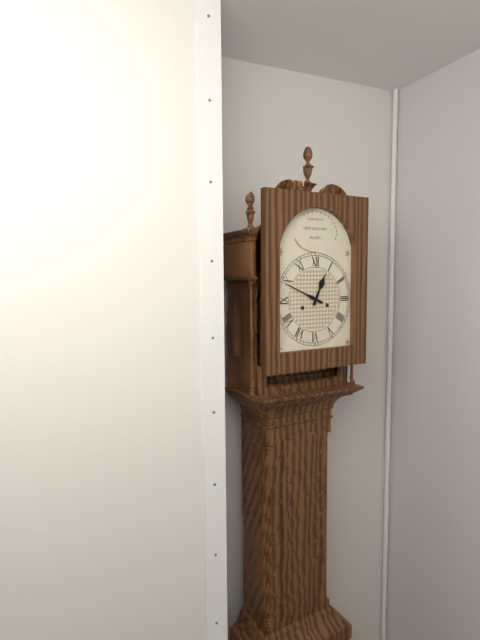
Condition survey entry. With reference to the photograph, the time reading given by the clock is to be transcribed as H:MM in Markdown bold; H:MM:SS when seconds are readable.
**12:49**
